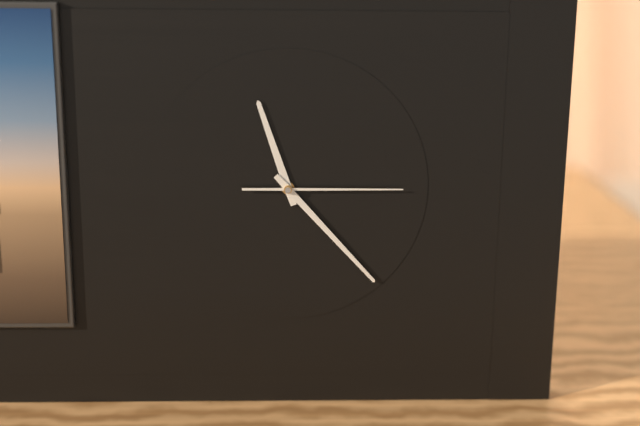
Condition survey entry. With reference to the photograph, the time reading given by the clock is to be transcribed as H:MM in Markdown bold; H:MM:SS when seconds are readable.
**11:23:15**
